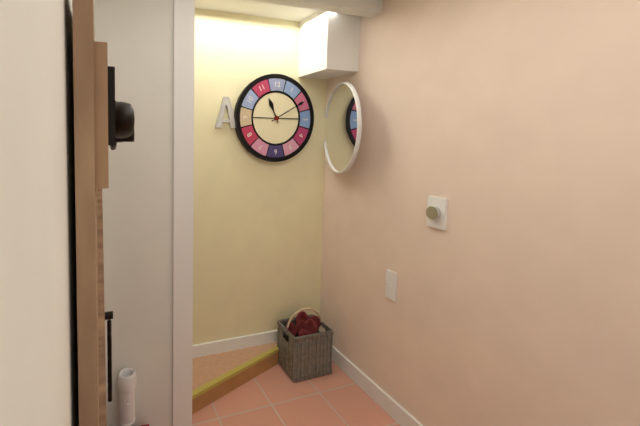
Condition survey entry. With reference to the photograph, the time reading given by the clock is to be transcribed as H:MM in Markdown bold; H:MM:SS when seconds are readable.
**11:10**
